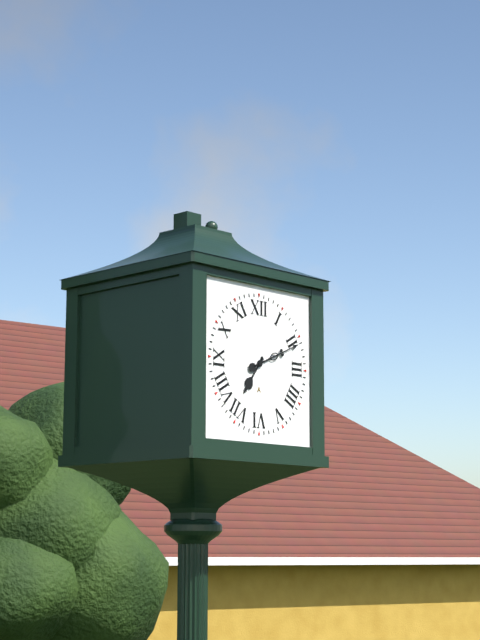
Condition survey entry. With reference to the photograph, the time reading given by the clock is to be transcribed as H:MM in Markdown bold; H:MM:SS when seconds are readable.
**7:11**
